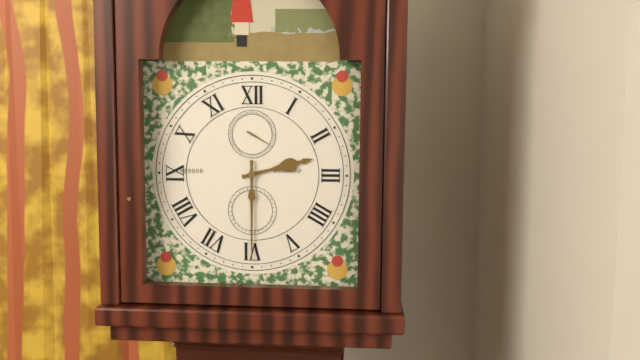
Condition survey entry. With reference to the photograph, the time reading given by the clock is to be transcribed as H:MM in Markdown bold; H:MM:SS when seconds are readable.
**2:30**
